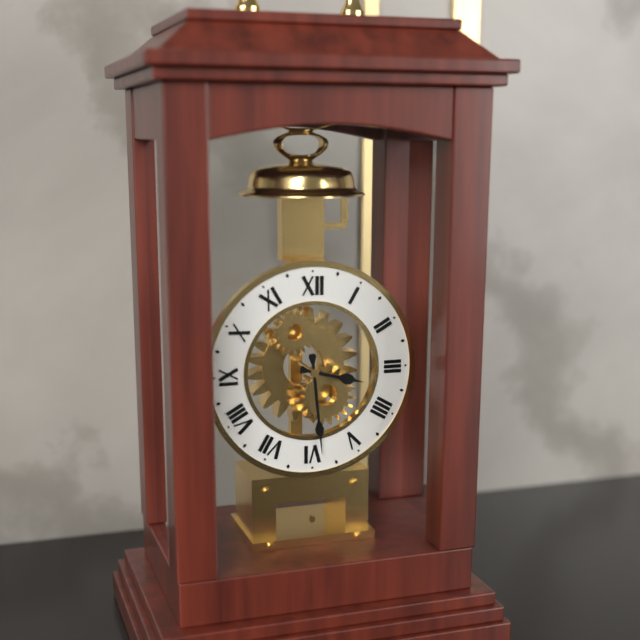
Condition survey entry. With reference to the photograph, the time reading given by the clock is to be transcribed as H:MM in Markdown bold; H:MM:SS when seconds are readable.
**3:29**
